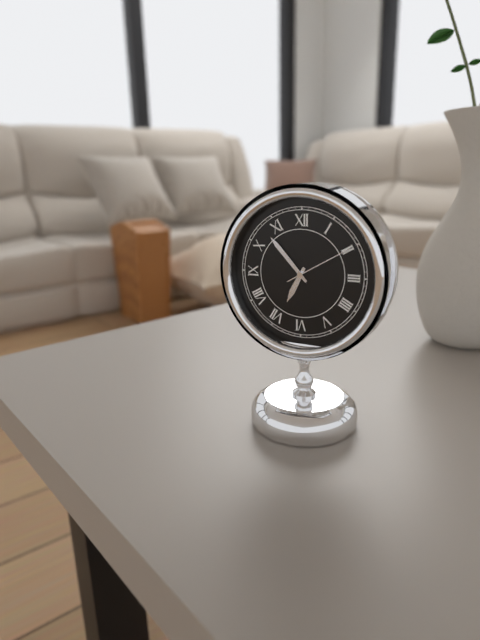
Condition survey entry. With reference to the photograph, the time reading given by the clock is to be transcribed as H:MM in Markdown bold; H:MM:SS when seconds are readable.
**6:53:10**
